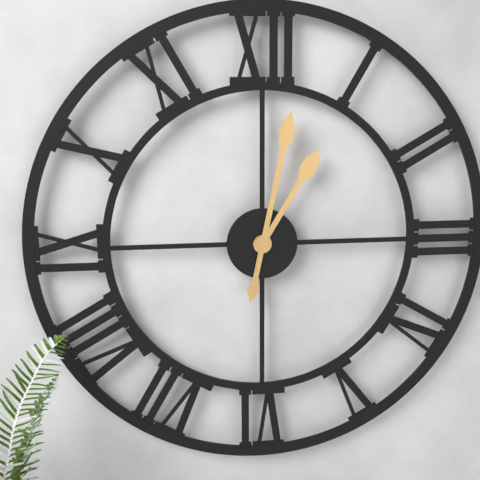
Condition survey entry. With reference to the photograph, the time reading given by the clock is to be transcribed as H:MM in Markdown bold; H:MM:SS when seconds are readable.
**1:02**
